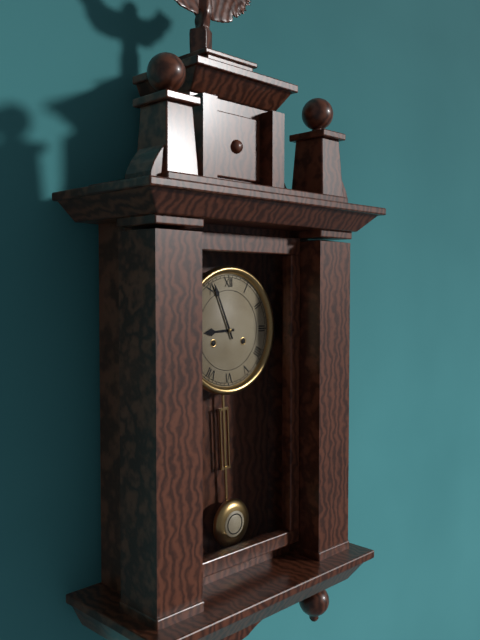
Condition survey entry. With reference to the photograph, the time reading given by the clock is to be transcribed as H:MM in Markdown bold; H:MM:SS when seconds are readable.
**8:56**
